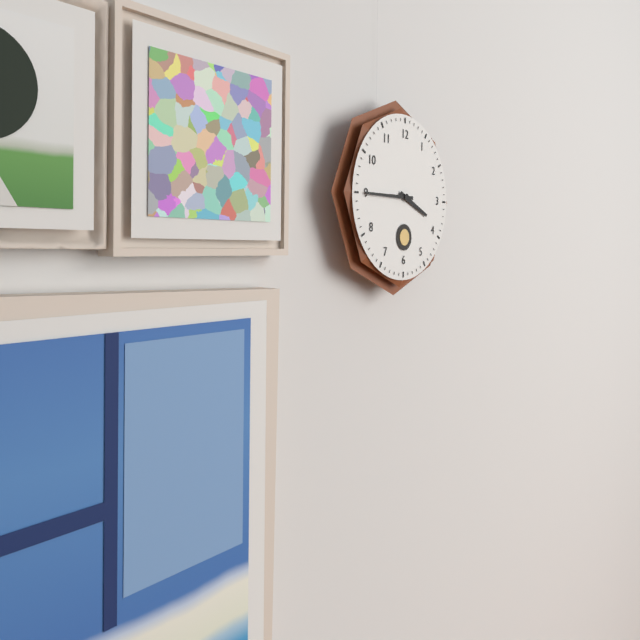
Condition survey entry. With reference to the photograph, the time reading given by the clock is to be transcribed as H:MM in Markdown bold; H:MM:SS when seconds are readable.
**3:45**
